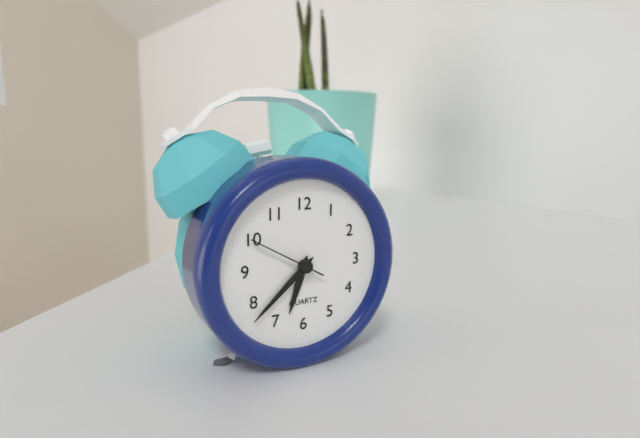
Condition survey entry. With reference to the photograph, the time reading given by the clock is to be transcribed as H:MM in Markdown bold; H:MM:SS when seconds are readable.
**6:38:50**
